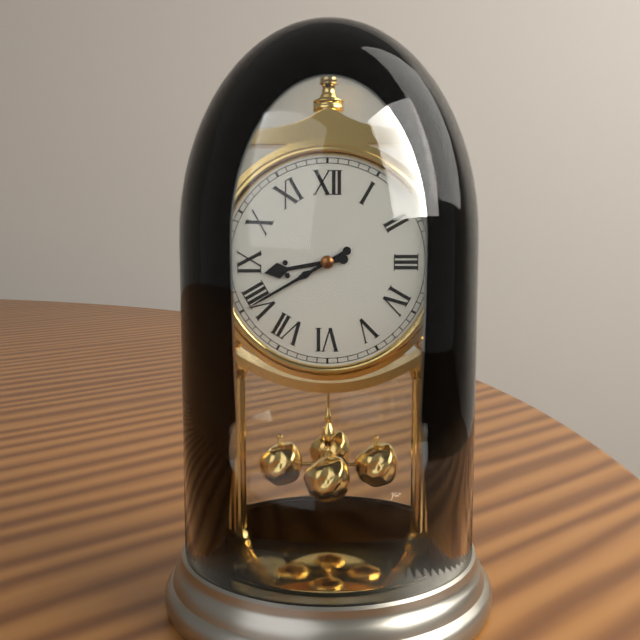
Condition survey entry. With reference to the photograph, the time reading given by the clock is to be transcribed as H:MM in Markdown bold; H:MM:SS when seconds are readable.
**8:40**
